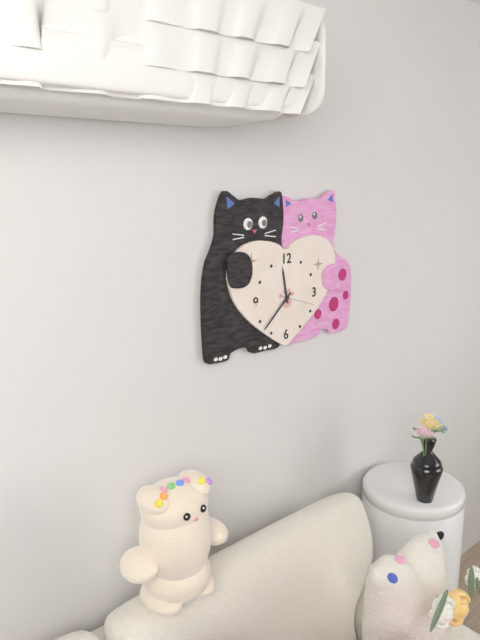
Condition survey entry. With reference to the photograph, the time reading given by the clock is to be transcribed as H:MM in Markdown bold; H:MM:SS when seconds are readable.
**11:38**
